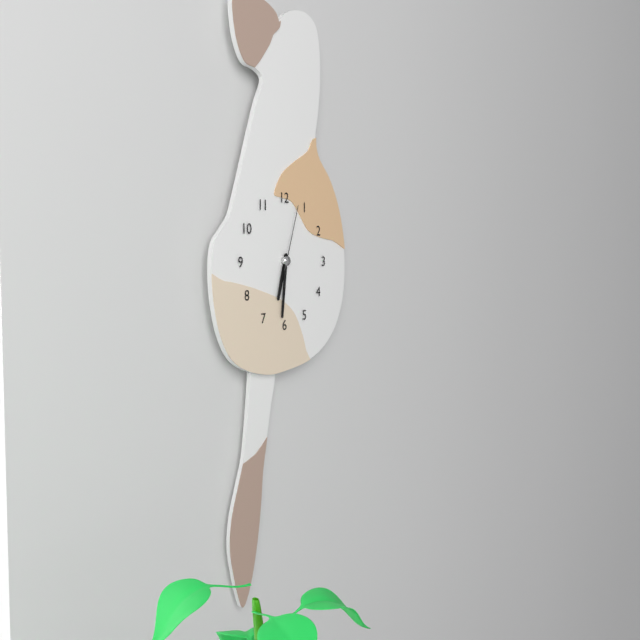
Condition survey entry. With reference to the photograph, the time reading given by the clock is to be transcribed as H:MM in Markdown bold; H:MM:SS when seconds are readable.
**6:31:03**
